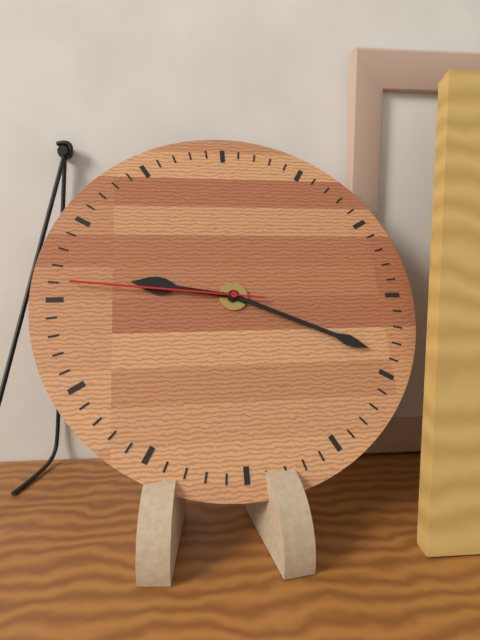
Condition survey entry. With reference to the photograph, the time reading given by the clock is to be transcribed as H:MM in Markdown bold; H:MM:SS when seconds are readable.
**9:19:46**
